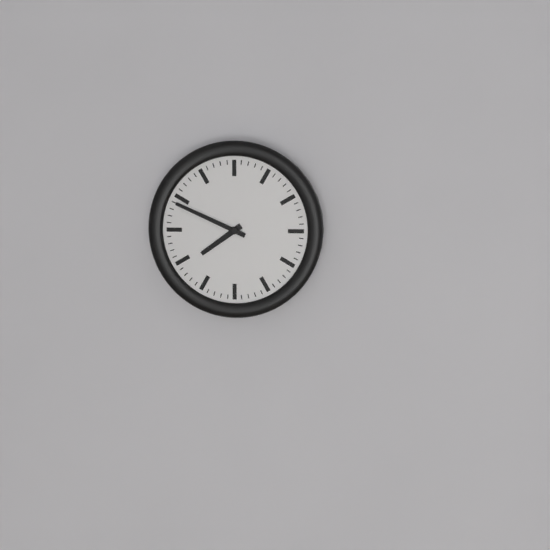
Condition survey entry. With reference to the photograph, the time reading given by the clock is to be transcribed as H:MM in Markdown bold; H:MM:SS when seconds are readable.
**7:49**
